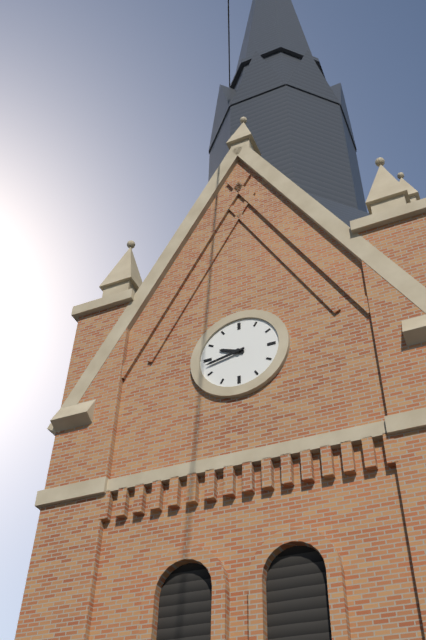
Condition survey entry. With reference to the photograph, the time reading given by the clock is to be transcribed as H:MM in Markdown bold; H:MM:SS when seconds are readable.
**9:43**
